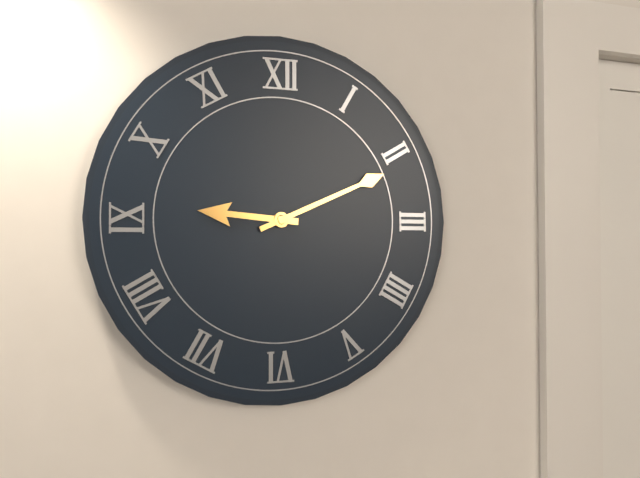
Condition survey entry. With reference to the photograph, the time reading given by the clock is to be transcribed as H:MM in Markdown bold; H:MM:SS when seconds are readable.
**9:11**
